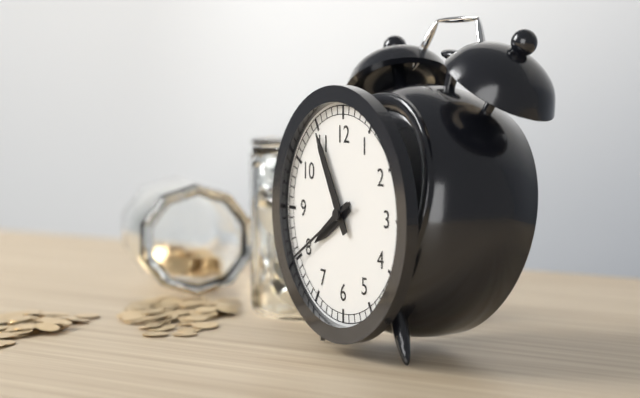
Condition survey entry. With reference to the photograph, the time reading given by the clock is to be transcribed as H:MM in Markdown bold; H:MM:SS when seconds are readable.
**7:55:40**
